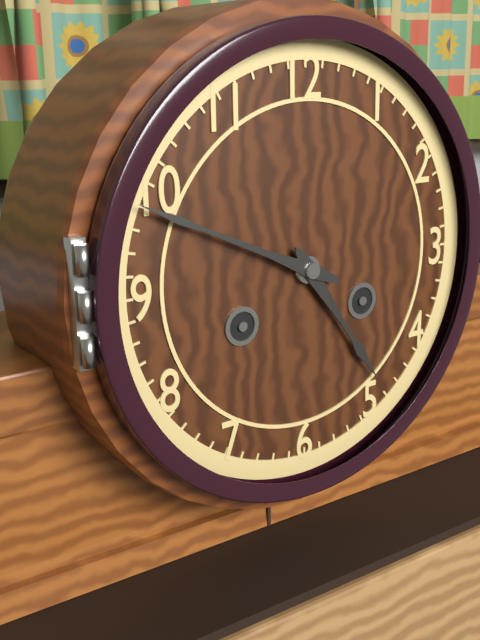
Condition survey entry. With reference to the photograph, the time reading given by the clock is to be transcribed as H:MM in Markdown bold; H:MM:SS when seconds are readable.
**4:49**
